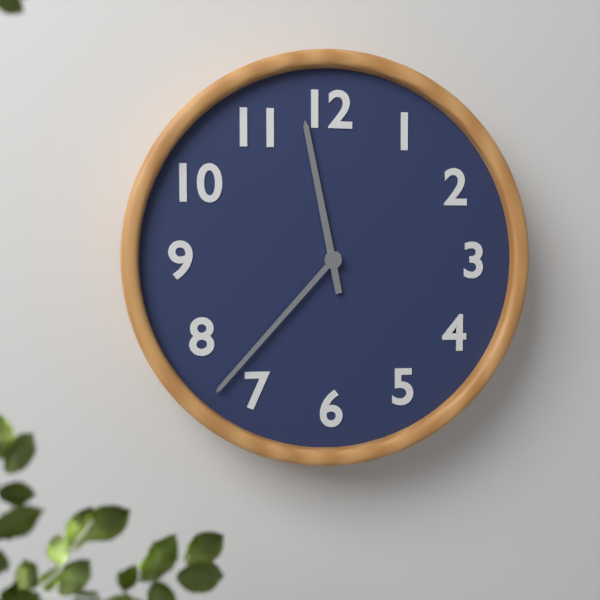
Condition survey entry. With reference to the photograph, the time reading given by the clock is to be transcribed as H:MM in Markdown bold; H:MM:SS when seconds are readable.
**11:37**
